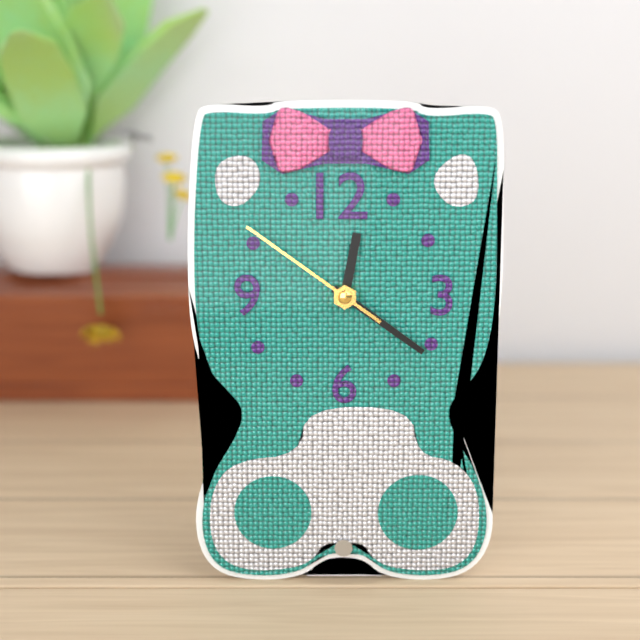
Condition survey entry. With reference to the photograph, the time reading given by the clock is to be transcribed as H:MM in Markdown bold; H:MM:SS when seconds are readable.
**12:21:51**
